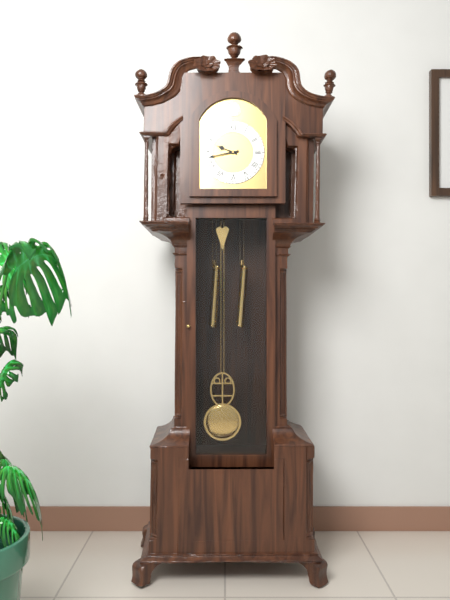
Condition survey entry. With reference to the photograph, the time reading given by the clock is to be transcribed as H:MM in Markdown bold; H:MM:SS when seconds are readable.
**9:43**
